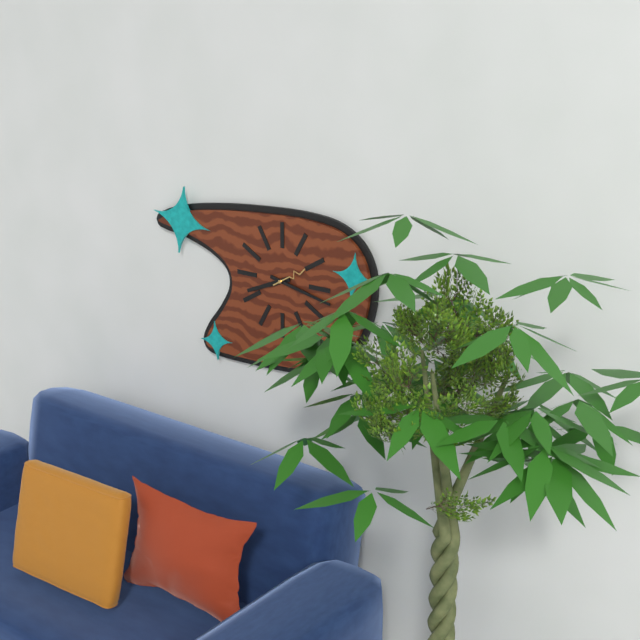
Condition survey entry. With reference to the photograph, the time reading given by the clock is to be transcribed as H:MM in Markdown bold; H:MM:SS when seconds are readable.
**8:17**
